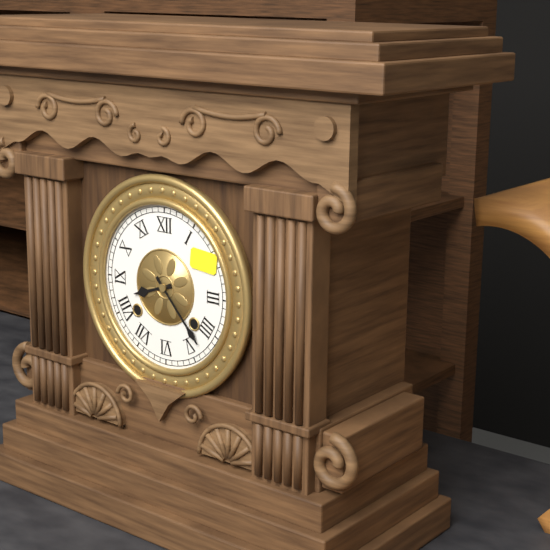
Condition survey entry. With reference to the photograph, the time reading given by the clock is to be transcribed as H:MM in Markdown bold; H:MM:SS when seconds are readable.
**8:23**
